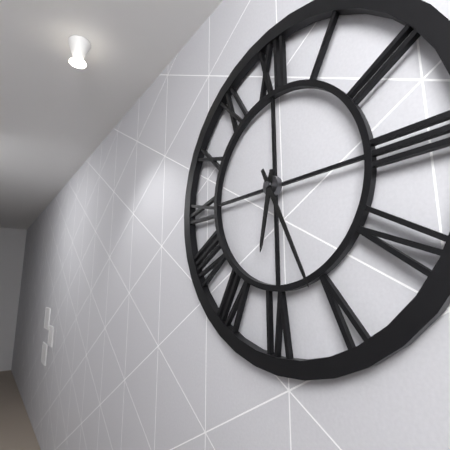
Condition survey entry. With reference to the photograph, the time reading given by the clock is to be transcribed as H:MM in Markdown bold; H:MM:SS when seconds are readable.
**6:26**
